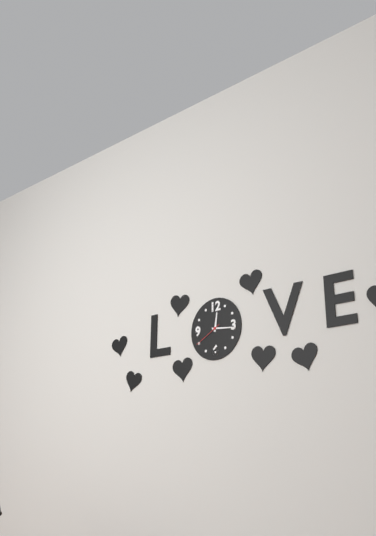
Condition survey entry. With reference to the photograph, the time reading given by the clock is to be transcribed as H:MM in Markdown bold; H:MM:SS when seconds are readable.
**12:16**
